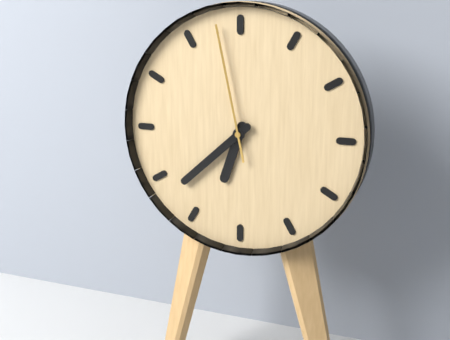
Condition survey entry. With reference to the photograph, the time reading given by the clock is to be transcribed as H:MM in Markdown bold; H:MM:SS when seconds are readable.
**6:38:58**
